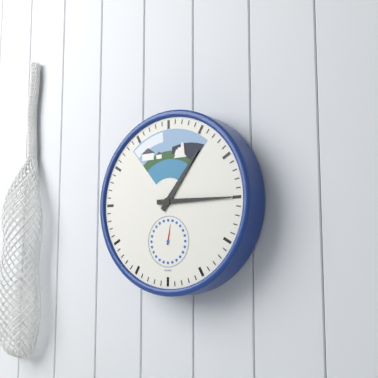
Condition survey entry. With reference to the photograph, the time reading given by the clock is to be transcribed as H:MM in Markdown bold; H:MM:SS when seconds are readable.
**1:15**
